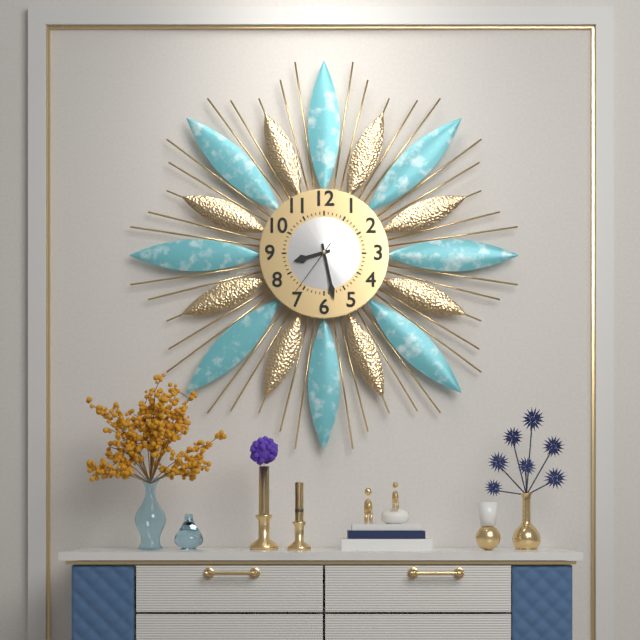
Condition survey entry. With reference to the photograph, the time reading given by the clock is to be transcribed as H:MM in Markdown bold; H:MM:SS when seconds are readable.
**8:28:36**
